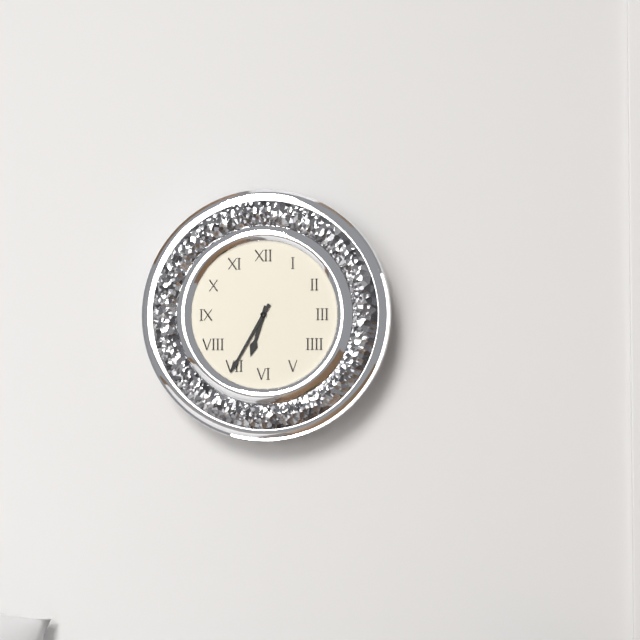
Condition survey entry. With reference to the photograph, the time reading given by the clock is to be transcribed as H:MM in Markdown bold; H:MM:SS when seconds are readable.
**6:35**
